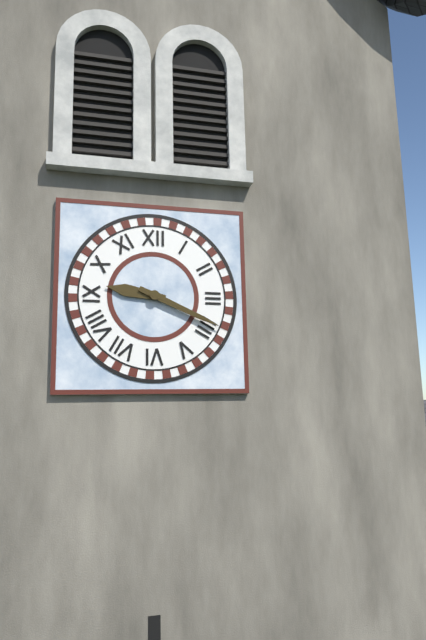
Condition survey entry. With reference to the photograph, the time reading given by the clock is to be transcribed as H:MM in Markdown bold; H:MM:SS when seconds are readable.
**9:19**
